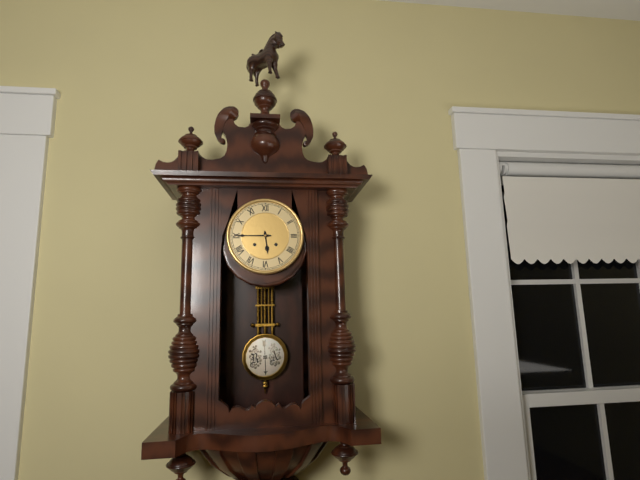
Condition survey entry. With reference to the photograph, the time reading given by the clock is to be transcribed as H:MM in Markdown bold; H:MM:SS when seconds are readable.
**5:45**
